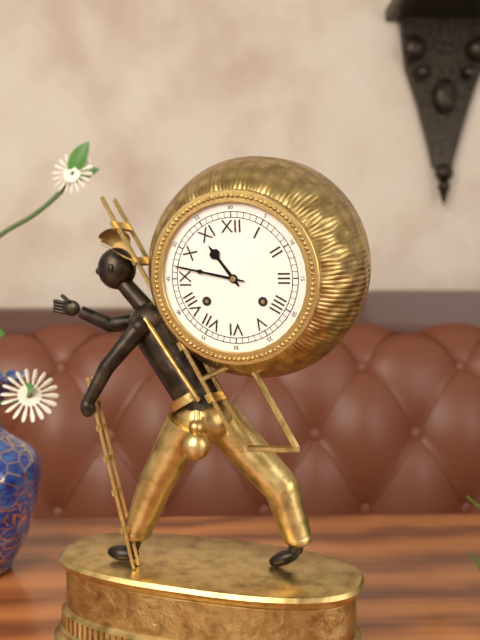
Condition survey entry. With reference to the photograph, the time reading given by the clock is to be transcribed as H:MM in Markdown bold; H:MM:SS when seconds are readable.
**10:47**
